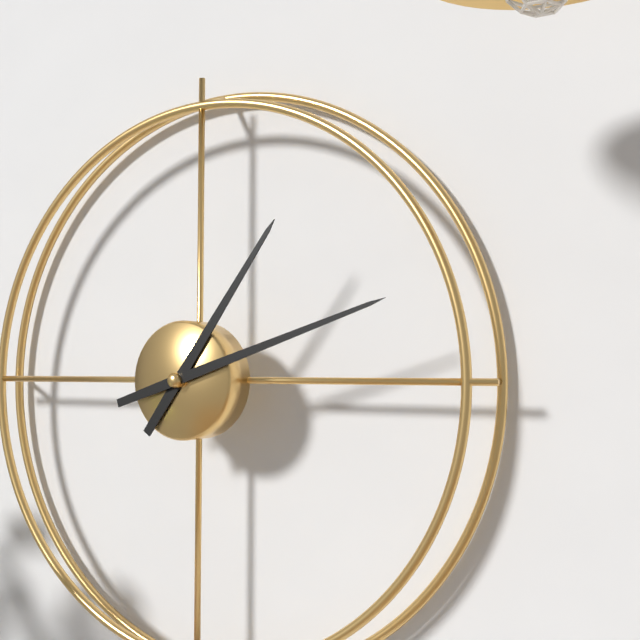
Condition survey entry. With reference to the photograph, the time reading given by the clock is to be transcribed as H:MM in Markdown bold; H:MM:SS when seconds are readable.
**1:12**
